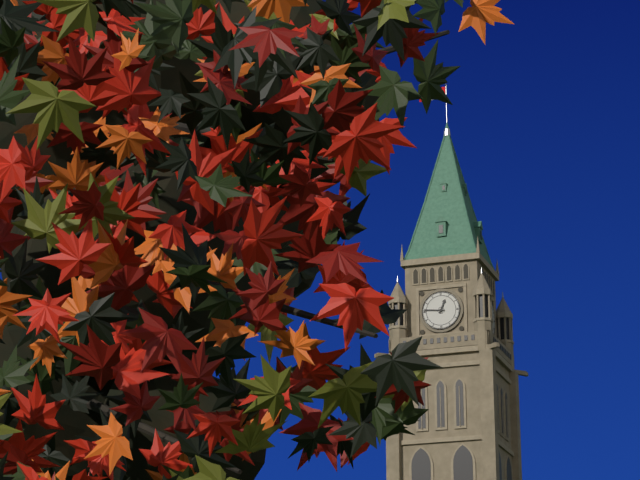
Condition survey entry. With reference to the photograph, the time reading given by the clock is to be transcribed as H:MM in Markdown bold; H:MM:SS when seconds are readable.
**12:46**
